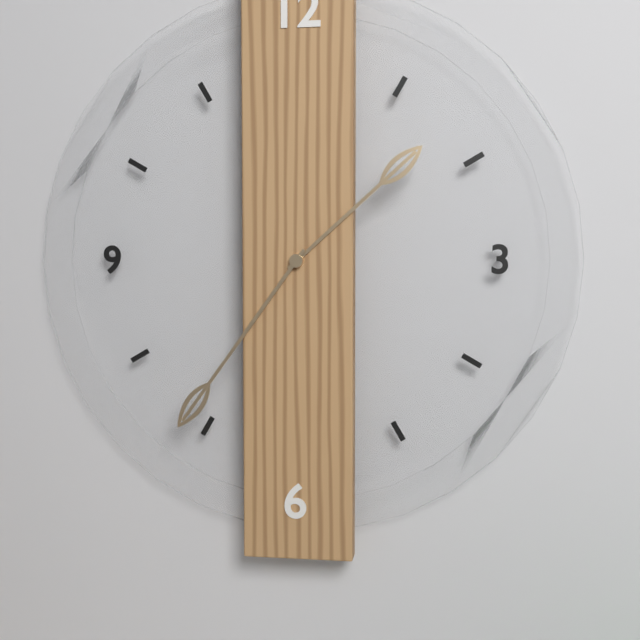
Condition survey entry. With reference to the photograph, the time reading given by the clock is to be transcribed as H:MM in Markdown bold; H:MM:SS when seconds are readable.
**1:36**
